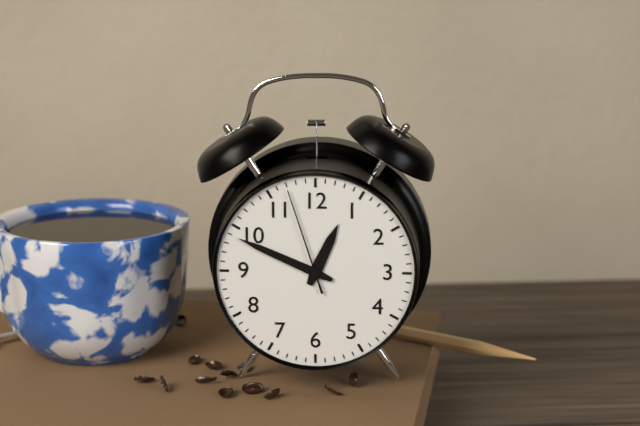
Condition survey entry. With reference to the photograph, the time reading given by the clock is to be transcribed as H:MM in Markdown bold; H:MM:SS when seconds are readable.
**12:49:57**
